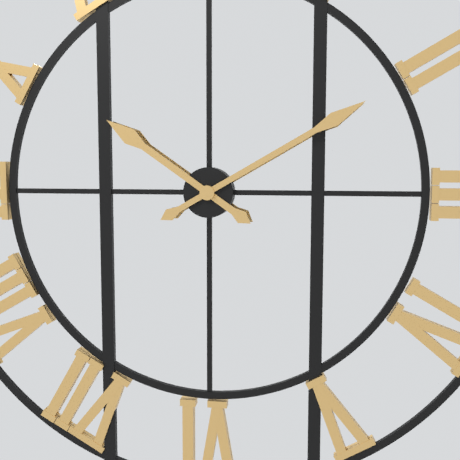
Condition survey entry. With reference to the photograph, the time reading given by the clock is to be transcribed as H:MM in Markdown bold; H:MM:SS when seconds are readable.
**10:10**
